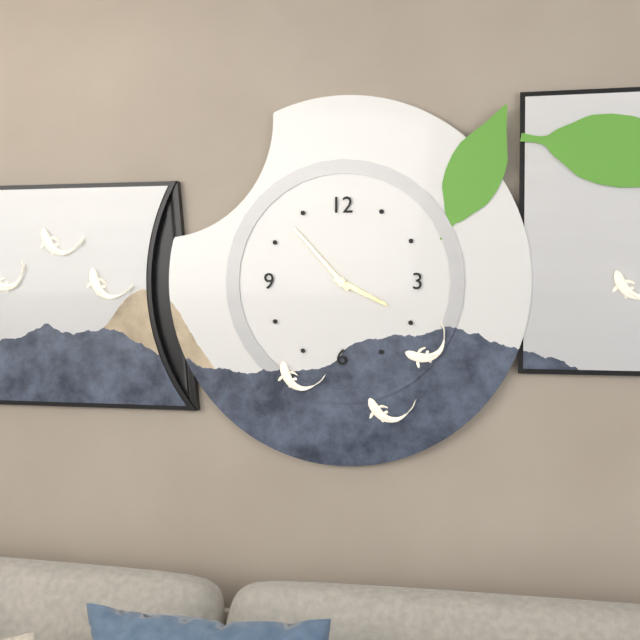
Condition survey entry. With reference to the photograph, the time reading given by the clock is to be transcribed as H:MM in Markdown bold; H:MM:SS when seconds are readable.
**3:53**
